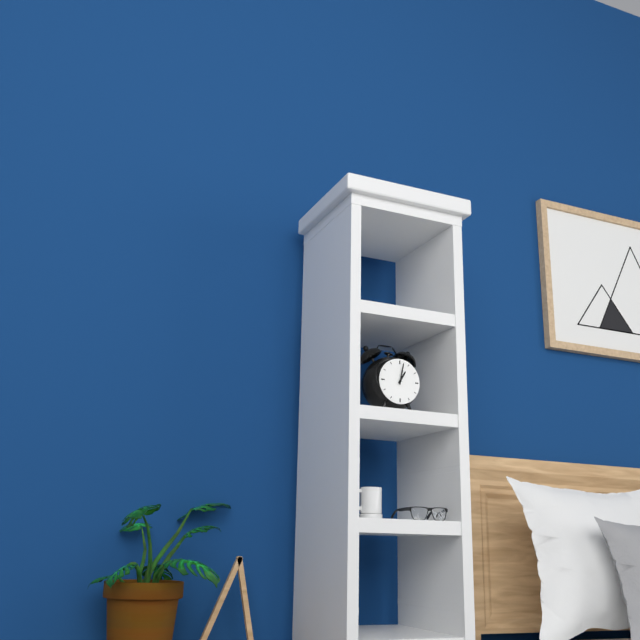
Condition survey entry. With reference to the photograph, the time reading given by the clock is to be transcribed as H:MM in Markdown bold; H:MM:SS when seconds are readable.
**1:02**
